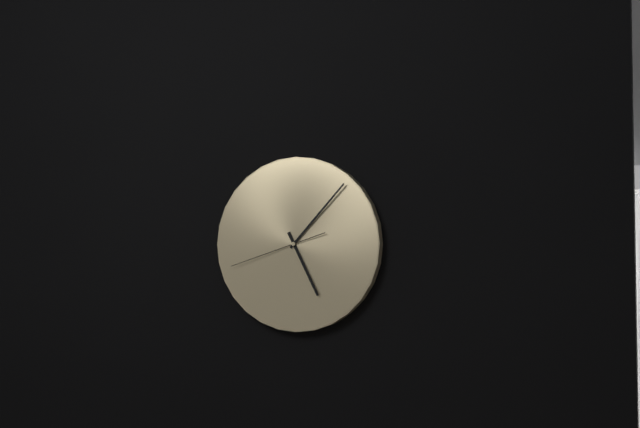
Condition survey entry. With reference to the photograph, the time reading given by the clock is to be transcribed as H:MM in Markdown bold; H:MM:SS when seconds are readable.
**5:07:42**
